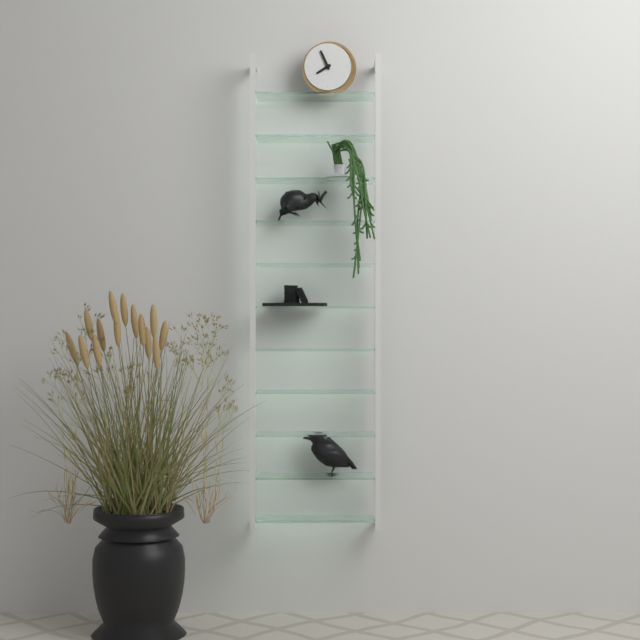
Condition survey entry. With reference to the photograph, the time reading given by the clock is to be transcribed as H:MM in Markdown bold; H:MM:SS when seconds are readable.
**7:56**
